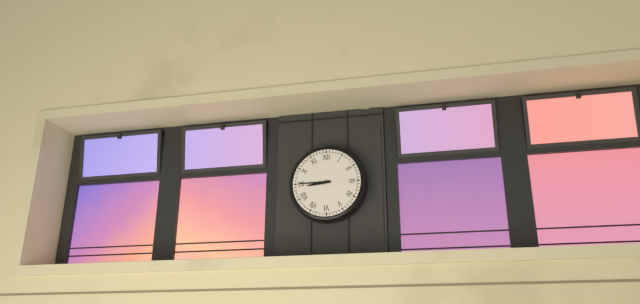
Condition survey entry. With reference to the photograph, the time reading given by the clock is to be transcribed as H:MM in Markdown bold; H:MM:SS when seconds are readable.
**8:45**
